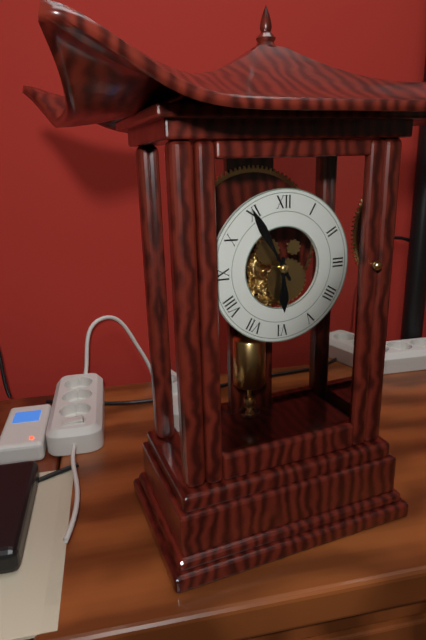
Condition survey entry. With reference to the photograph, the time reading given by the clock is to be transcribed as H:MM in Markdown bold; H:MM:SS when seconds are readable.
**5:55**
